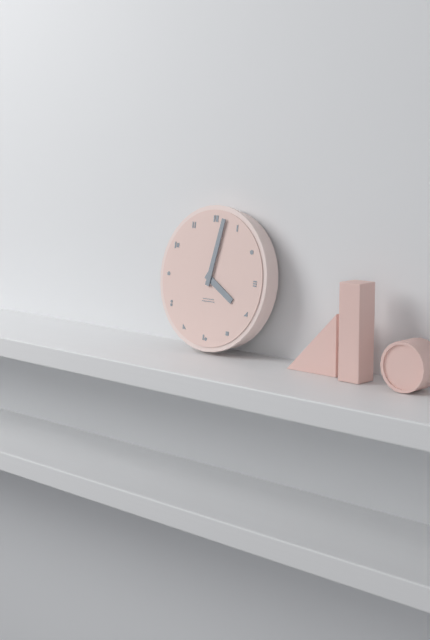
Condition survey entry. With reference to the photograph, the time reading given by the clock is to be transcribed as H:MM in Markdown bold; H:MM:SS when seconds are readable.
**4:02**
